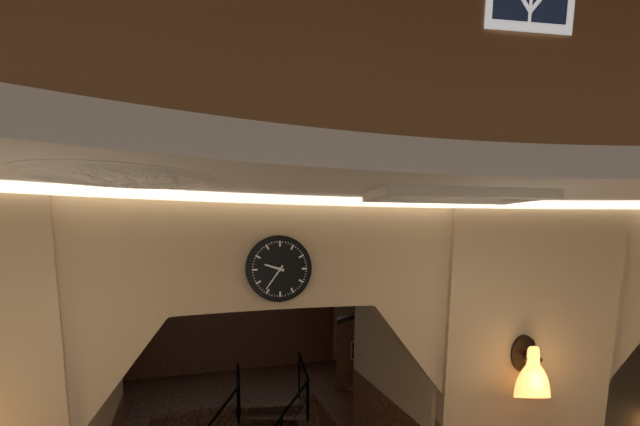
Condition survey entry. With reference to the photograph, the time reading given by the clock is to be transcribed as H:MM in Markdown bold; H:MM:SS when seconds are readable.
**9:36**
